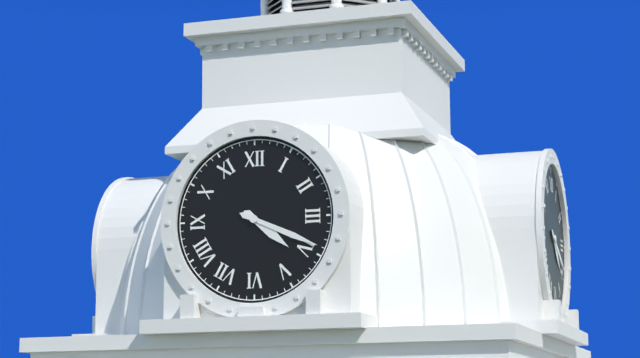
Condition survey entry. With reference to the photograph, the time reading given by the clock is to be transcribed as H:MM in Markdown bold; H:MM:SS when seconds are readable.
**4:19**
